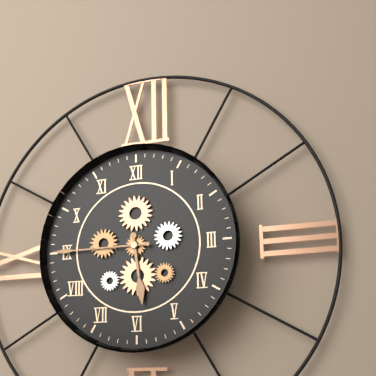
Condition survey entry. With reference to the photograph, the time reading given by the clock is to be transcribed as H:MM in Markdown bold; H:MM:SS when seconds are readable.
**5:45**
